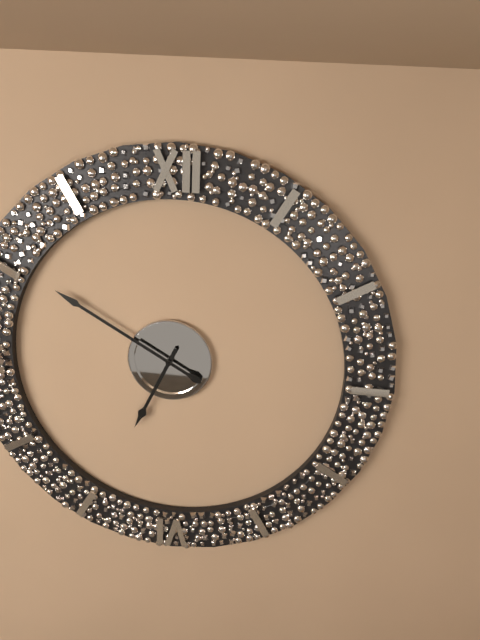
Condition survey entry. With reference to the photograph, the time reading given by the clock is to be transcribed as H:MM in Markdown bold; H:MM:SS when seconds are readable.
**6:50**
